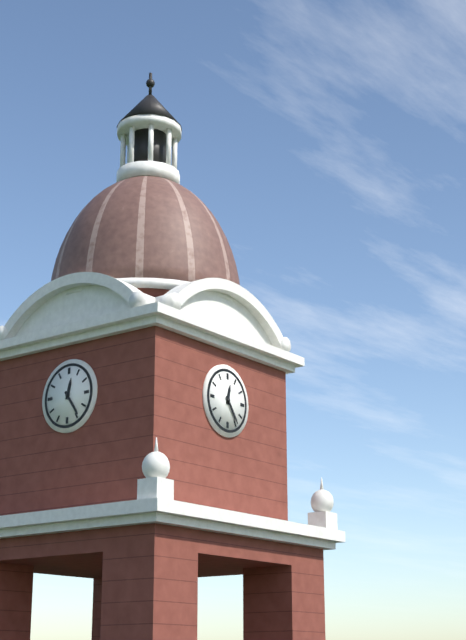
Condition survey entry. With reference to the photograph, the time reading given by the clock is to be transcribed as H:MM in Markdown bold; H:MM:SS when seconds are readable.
**12:24**
